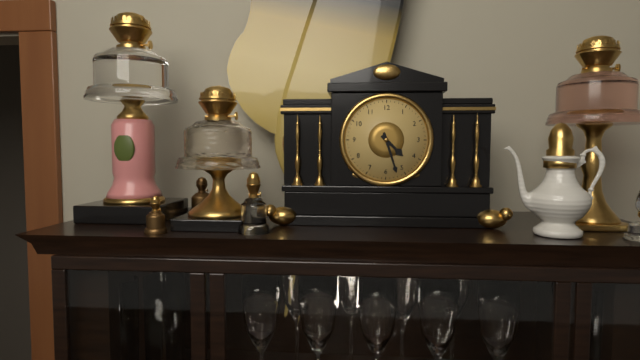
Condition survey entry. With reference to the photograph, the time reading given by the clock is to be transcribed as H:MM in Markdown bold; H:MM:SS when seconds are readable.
**4:27**
